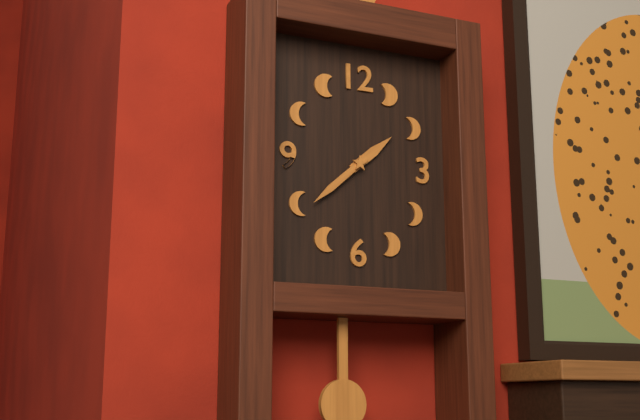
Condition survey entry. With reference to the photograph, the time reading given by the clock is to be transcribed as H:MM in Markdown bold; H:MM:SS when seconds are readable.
**1:38**
